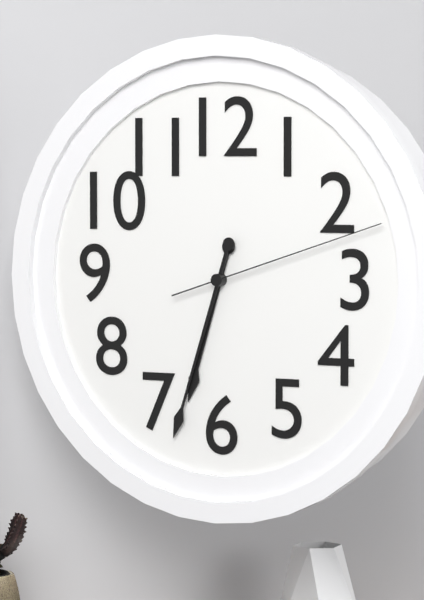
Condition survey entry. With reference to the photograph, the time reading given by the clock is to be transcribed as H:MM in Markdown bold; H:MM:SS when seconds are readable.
**6:33:12**
